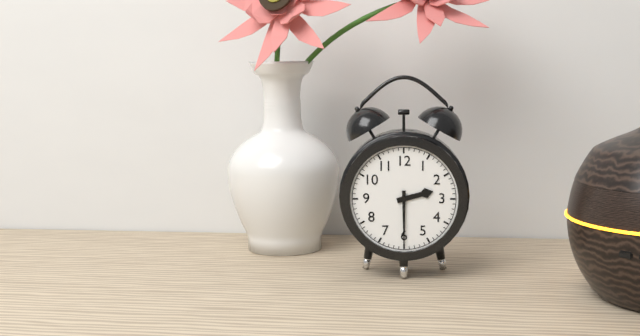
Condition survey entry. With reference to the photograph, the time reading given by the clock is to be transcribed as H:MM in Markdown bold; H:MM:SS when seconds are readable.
**2:30**
